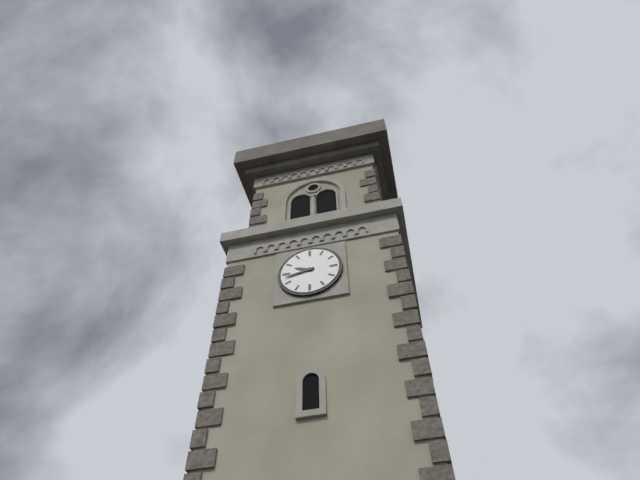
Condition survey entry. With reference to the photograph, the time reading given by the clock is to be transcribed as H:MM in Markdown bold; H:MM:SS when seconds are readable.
**9:43**
